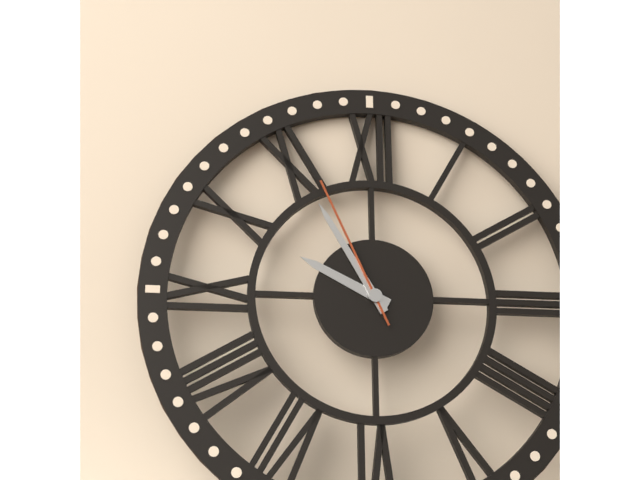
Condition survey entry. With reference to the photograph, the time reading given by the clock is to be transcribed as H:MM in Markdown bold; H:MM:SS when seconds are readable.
**9:55:56**
